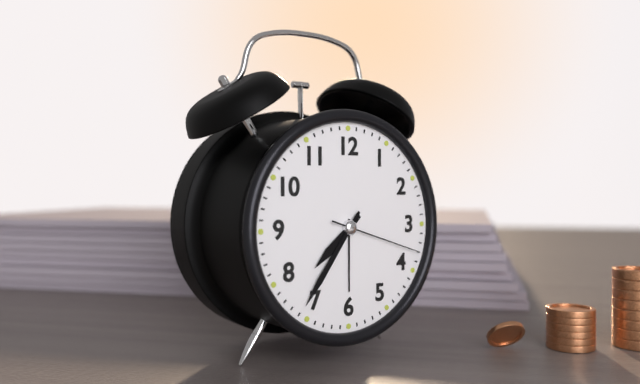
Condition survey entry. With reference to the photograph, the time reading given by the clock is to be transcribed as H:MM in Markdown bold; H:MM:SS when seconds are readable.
**7:36:18**
